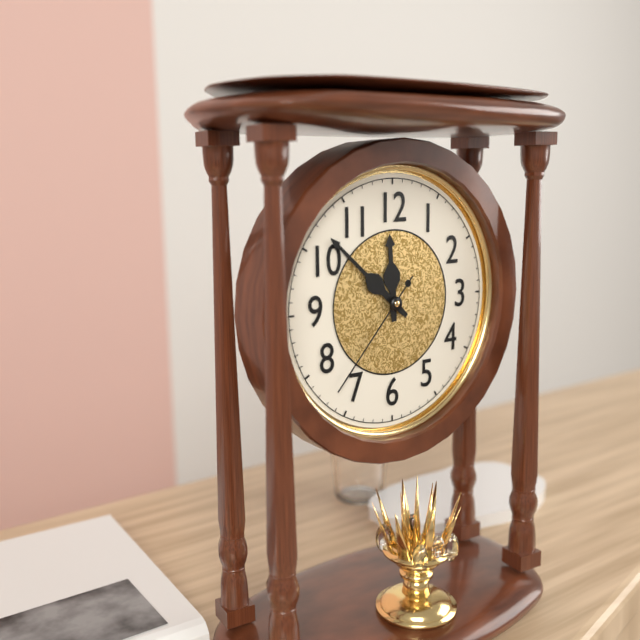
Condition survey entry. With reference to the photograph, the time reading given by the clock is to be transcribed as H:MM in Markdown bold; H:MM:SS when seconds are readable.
**11:52:37**
